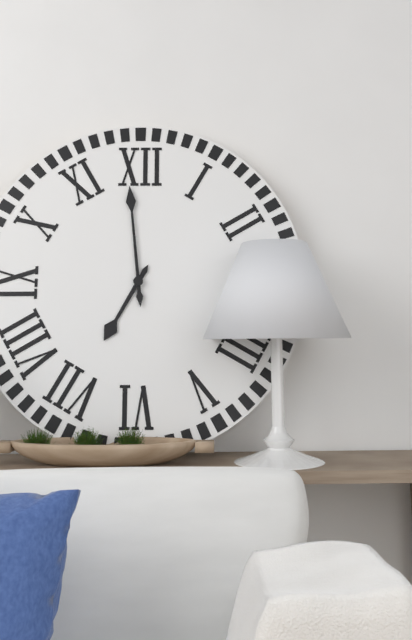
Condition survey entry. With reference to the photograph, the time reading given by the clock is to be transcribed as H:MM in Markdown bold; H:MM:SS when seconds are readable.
**6:59**
